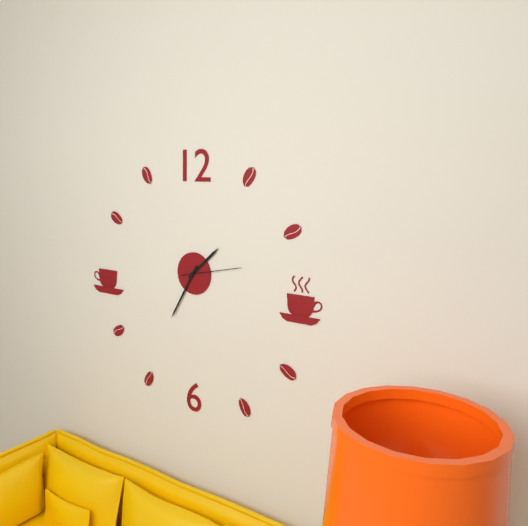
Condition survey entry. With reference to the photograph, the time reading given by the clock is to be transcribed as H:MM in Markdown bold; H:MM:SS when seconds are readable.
**1:35:13**
